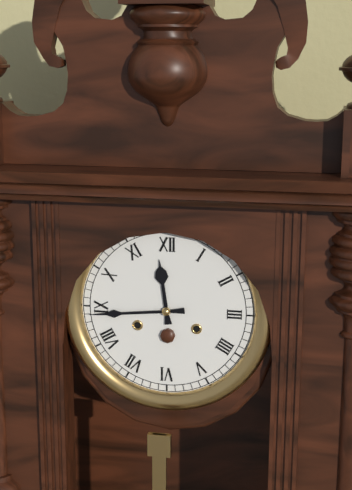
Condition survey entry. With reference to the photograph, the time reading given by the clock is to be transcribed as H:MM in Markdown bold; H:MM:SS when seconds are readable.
**11:44**
